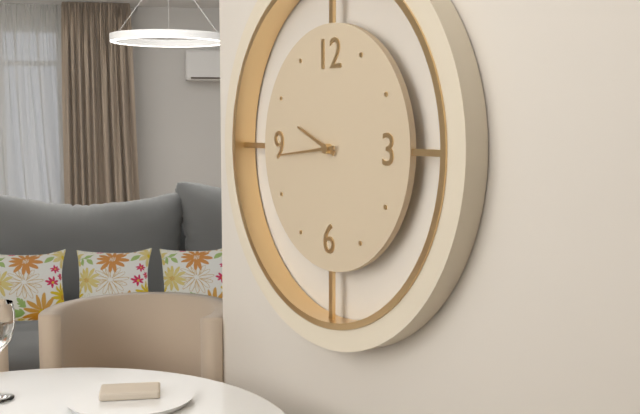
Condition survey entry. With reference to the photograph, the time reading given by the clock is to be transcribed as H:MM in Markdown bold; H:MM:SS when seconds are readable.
**9:44**
